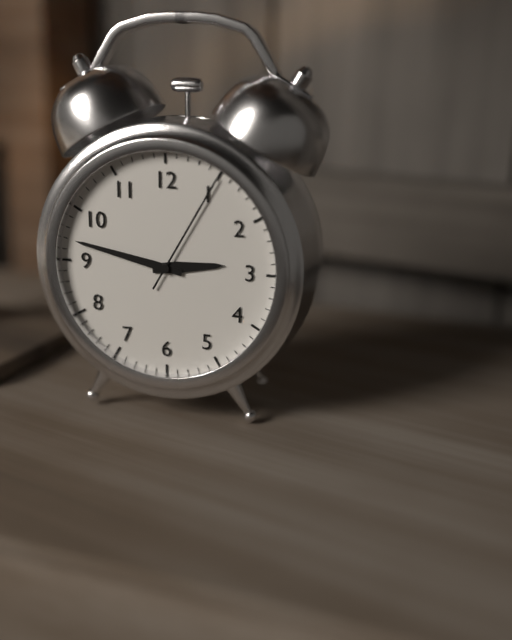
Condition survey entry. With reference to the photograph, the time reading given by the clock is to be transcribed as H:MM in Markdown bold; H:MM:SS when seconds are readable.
**2:47:05**
